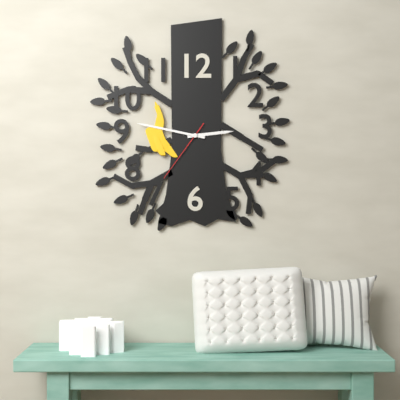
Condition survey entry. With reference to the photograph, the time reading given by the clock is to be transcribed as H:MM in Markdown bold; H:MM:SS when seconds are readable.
**2:47:36**
